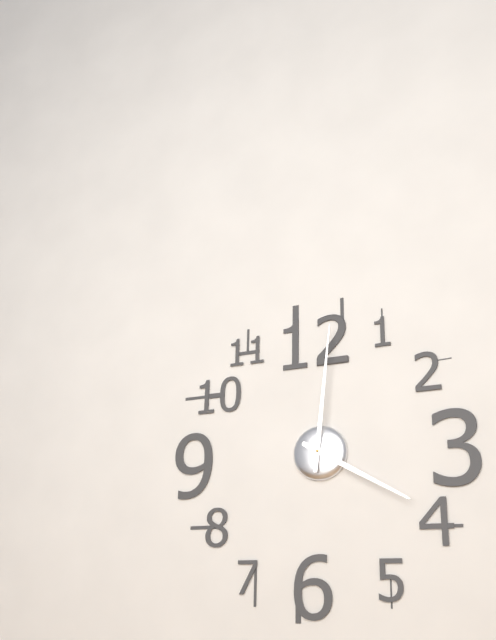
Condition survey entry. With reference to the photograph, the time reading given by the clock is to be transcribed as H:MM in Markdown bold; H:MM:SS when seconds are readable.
**4:01**
